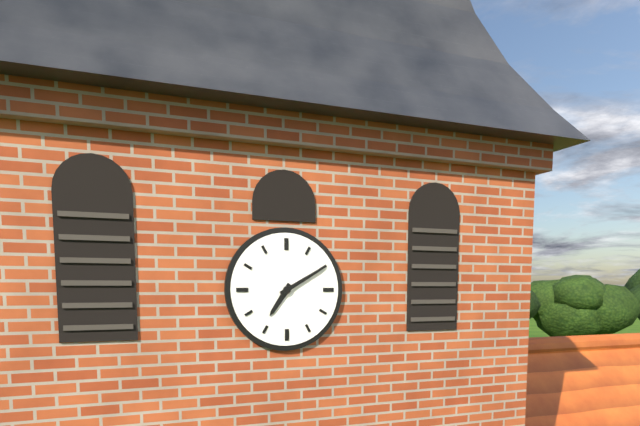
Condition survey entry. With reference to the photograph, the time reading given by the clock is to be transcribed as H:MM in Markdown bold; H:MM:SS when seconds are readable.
**7:10**
